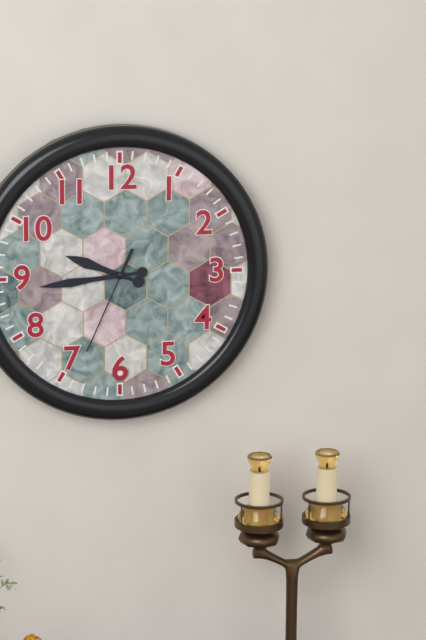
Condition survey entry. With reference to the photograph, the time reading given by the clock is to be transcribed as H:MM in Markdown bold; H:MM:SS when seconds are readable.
**9:44:34**
